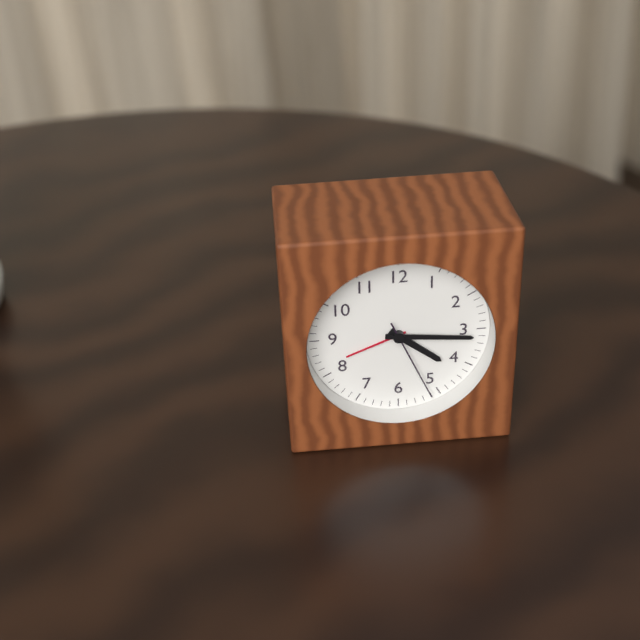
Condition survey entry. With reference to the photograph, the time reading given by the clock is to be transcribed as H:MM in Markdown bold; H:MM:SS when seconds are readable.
**4:16:26**
